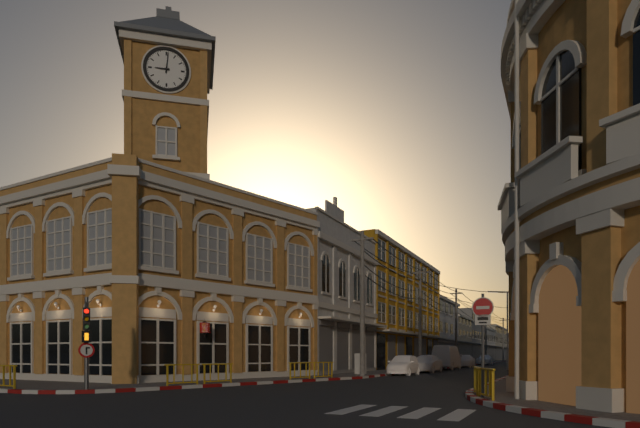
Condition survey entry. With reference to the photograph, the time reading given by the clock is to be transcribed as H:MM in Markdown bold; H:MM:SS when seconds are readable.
**9:01**
